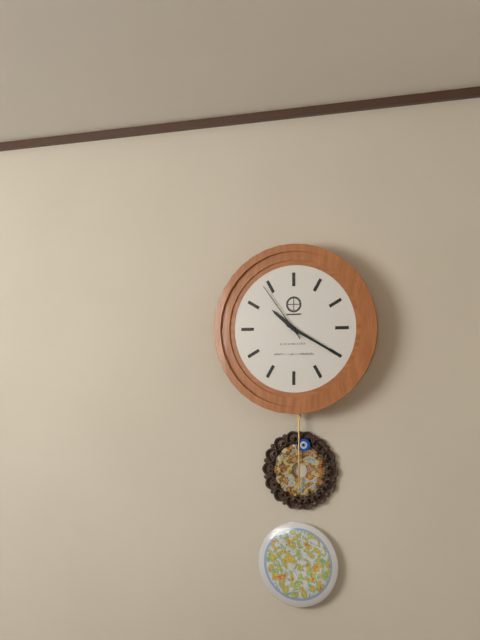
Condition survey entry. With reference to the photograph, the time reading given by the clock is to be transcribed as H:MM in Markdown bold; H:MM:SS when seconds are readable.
**10:20:54**
